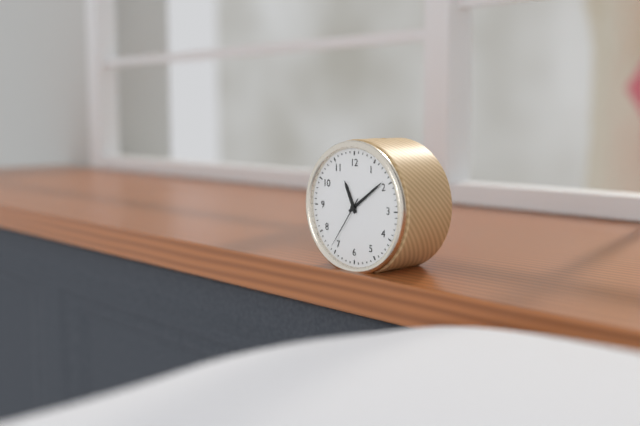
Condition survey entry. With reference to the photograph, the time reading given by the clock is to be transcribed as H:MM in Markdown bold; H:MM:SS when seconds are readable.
**11:09:36**
